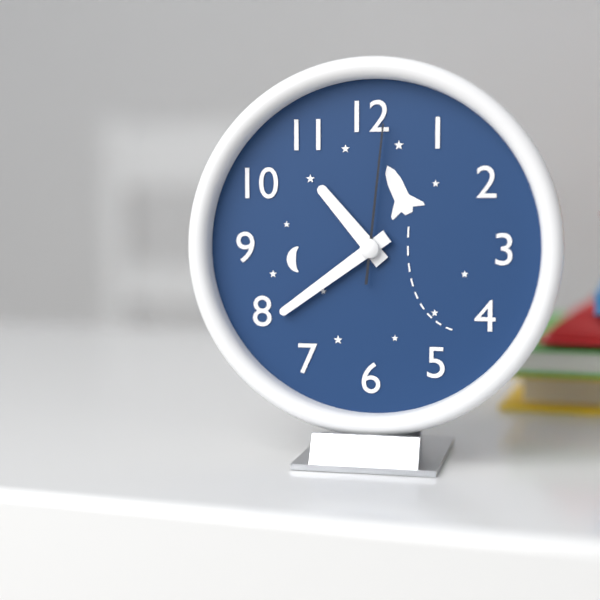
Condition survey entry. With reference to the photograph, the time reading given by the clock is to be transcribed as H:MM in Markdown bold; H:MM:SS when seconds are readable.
**10:39:01**
